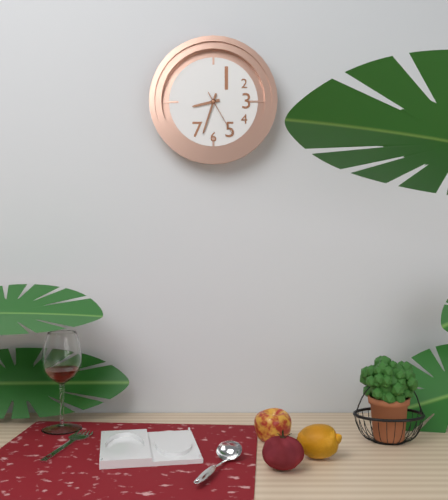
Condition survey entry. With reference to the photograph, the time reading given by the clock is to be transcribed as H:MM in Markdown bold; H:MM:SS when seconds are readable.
**8:33**
